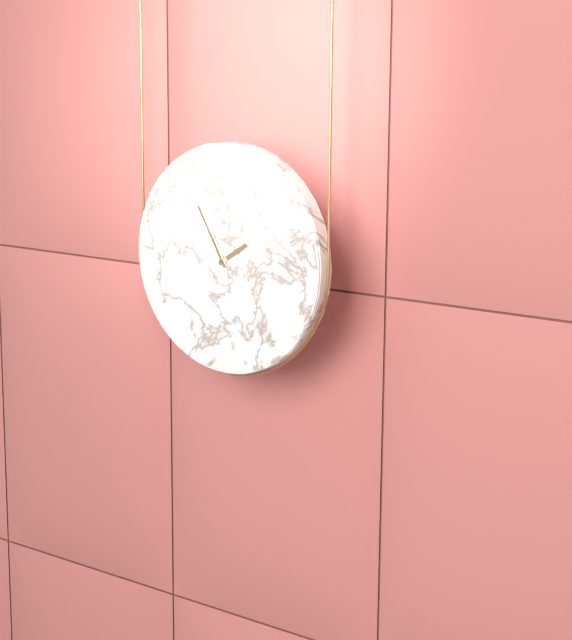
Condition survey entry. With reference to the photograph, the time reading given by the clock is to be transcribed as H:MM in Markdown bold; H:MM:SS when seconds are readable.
**1:55**
